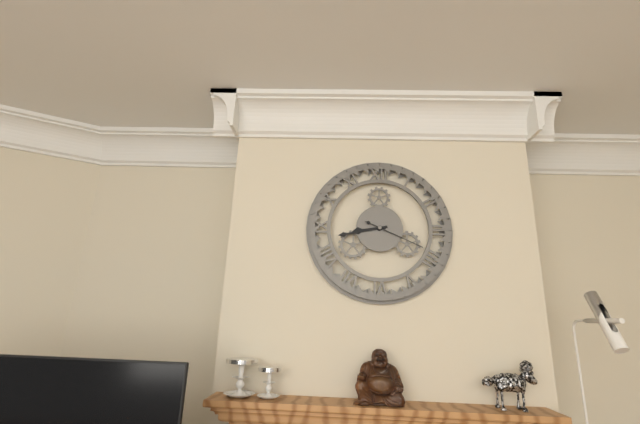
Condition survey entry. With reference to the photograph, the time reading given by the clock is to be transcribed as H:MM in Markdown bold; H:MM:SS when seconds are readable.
**8:43:19**
